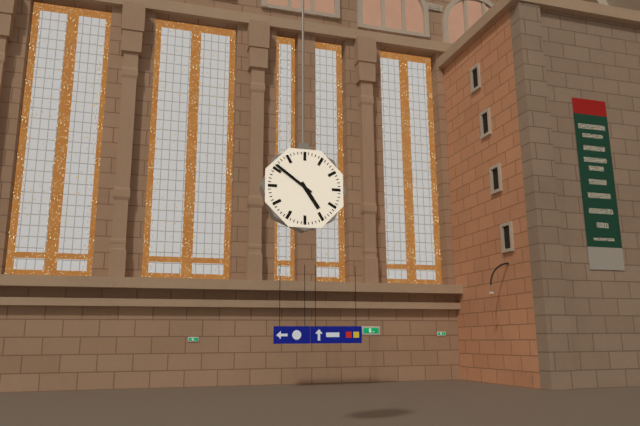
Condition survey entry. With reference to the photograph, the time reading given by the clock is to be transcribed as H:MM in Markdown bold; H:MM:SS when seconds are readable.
**4:51**
